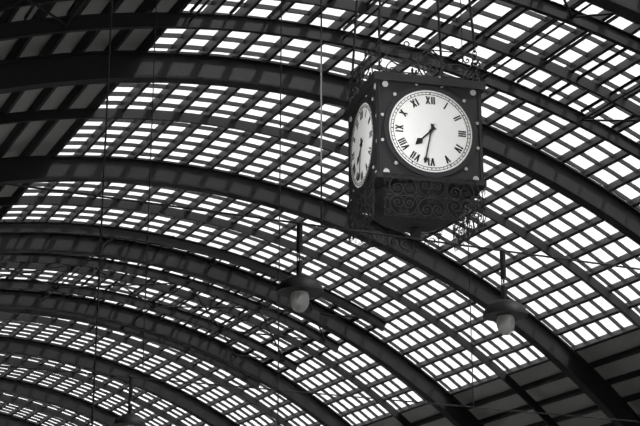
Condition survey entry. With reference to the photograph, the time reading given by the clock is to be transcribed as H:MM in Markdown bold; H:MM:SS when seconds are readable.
**7:32**
